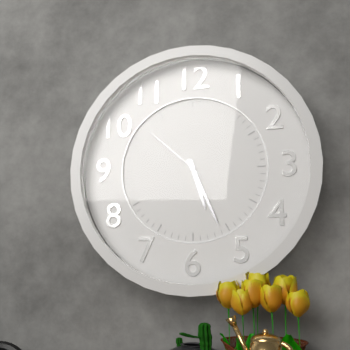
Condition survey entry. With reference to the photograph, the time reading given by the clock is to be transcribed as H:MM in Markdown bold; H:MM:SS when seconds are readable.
**5:26:52**
